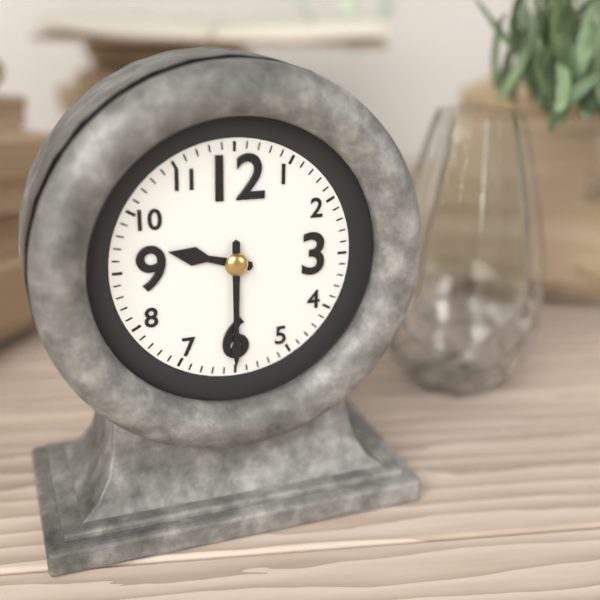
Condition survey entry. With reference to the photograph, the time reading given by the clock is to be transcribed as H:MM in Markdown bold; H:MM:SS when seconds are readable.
**9:30**
